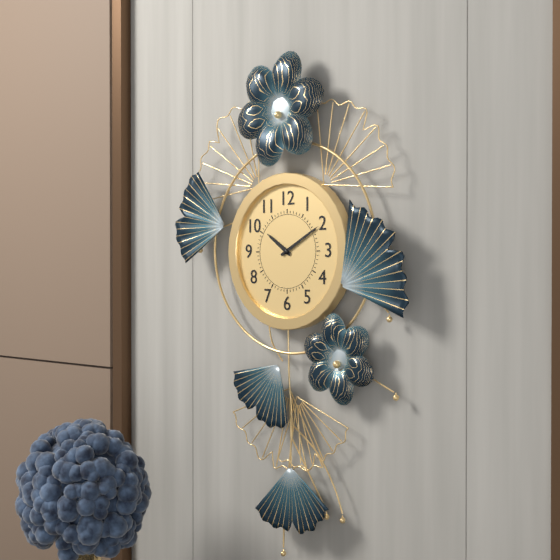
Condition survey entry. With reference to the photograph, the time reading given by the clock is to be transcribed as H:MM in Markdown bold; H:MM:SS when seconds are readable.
**10:10**
